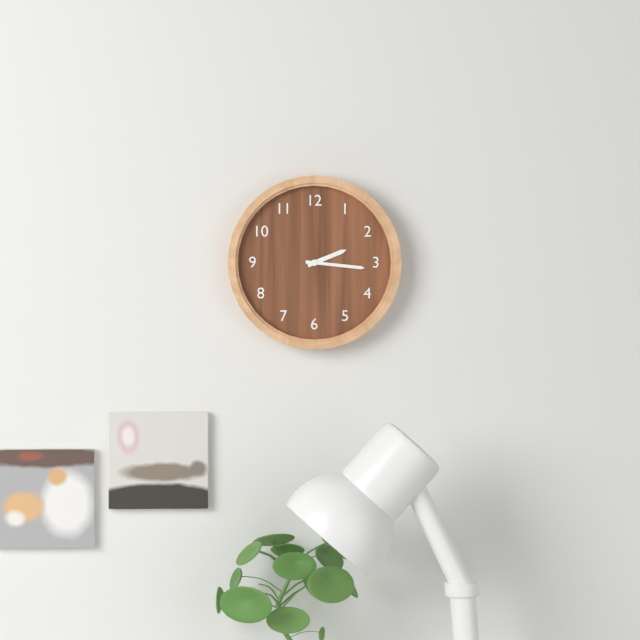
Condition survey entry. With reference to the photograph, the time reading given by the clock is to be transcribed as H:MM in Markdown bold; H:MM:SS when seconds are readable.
**2:16**
